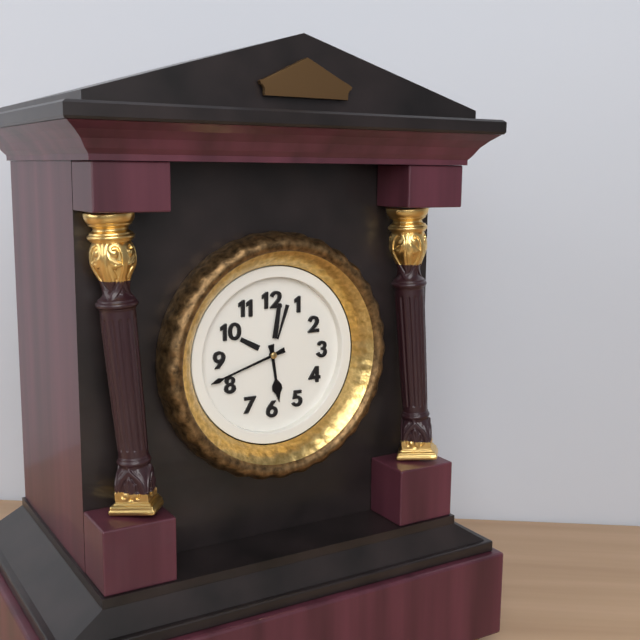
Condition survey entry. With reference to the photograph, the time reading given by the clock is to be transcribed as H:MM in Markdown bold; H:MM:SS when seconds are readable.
**5:42**
